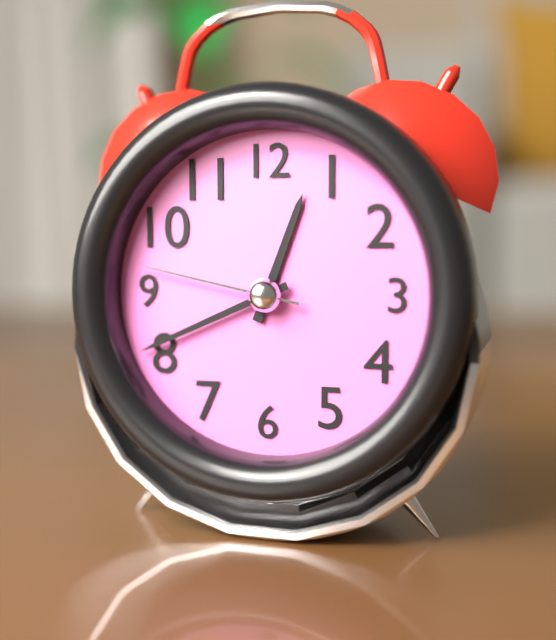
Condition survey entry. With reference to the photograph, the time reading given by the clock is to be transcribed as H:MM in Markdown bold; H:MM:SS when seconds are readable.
**12:41:47**
